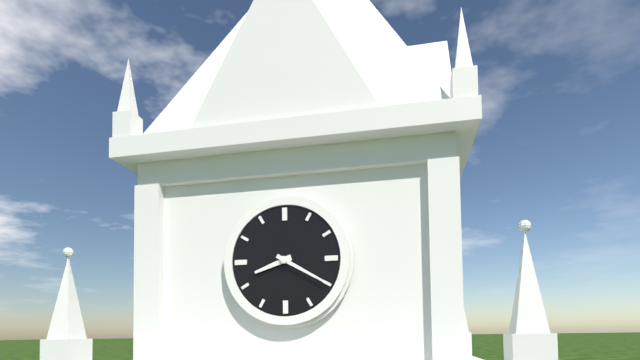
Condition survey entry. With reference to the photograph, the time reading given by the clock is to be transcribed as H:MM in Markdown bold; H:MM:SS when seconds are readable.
**8:20**
